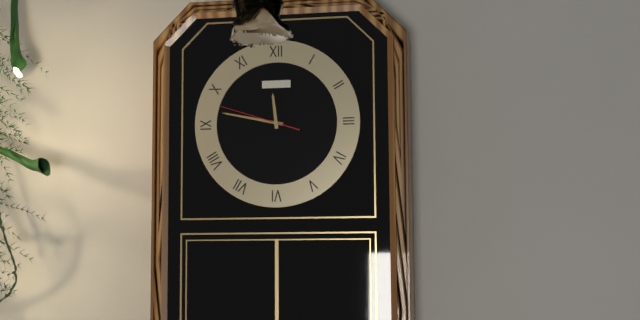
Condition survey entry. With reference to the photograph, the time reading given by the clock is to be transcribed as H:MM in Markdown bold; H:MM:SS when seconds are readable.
**11:47:48**
